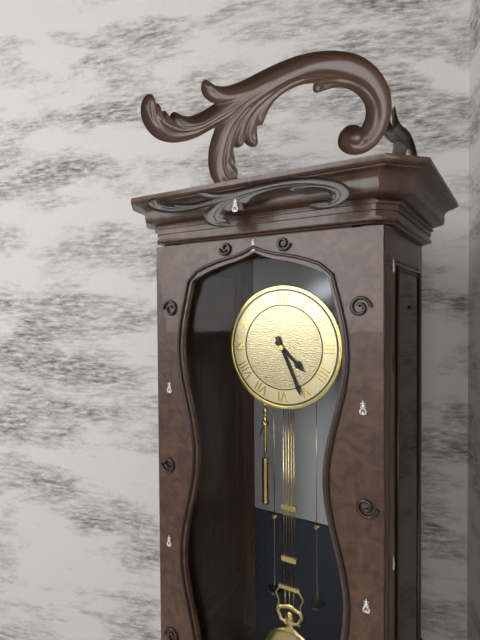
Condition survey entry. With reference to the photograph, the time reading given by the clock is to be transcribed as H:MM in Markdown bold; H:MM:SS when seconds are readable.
**4:26**
